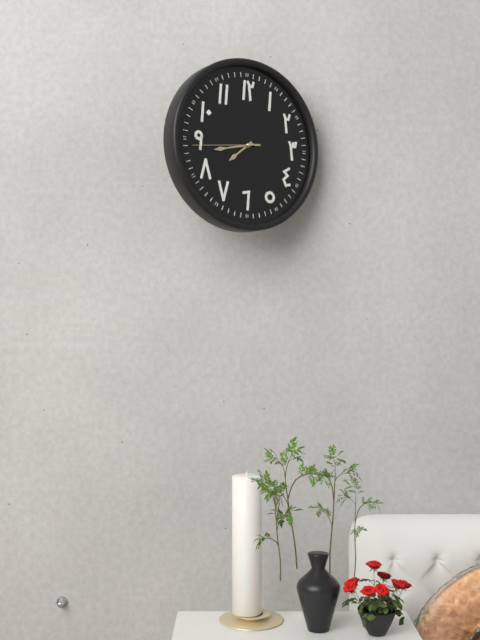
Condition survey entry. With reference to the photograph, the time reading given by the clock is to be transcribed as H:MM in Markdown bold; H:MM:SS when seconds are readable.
**7:43:44**
